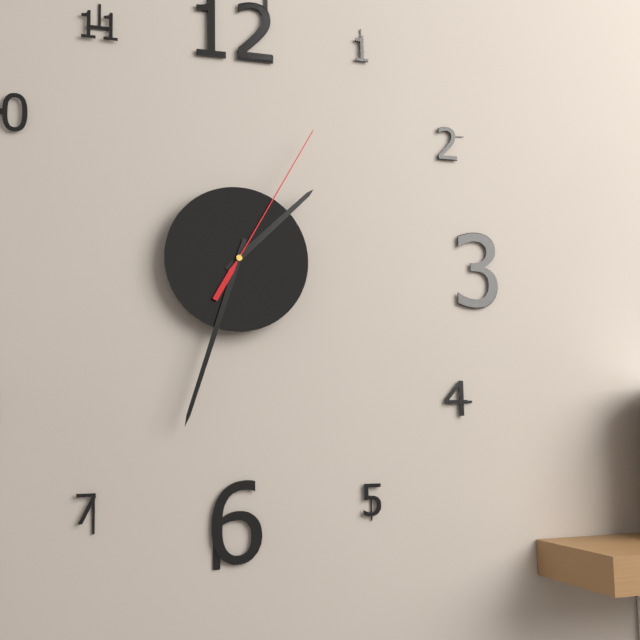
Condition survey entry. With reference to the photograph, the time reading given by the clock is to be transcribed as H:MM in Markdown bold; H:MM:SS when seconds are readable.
**1:33:05**
